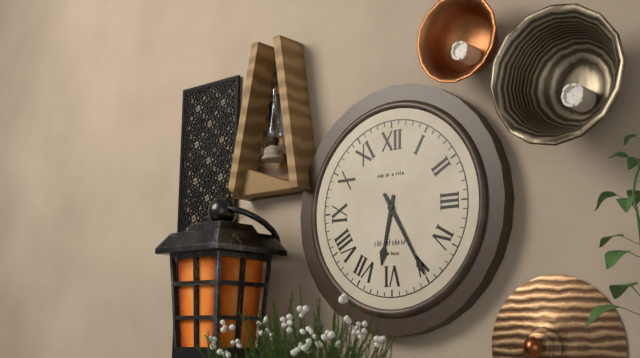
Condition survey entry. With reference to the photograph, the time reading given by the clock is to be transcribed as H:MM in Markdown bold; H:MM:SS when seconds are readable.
**6:25**
